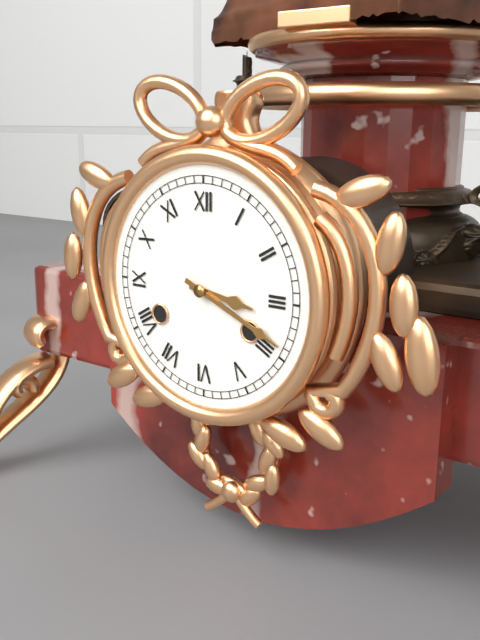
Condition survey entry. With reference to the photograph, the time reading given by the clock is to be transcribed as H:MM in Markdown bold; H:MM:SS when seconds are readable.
**3:19**
